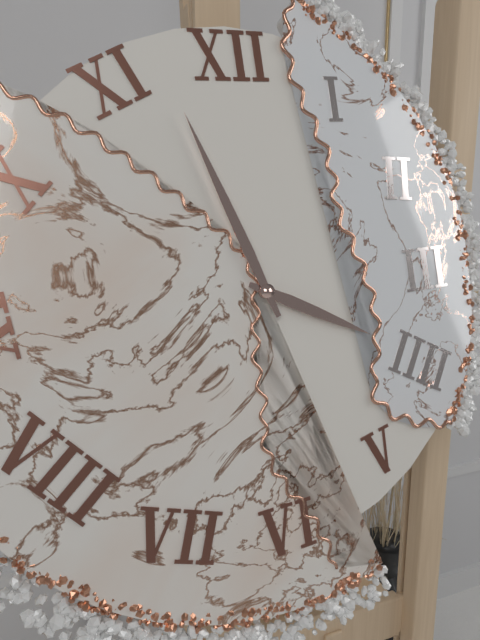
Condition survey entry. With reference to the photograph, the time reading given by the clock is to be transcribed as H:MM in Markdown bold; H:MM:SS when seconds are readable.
**3:57**
